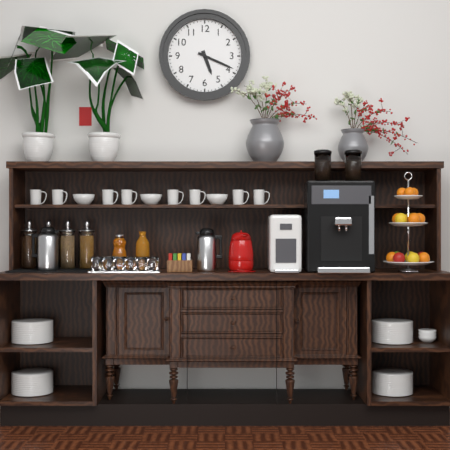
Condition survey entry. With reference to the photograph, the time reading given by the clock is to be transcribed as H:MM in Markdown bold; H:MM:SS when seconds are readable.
**5:19**
